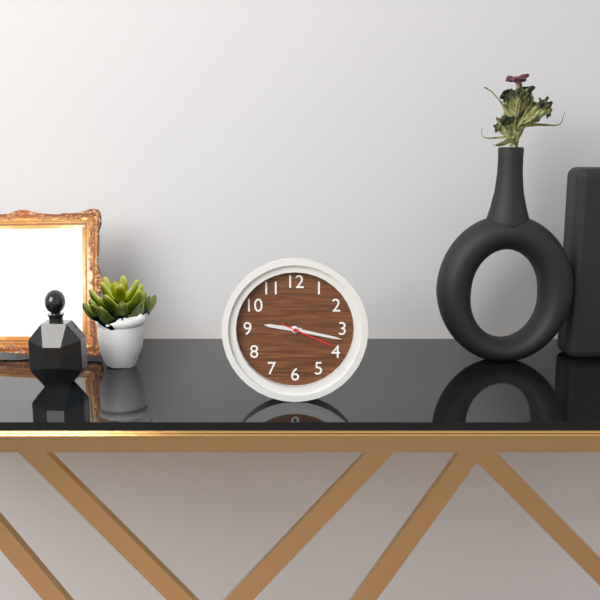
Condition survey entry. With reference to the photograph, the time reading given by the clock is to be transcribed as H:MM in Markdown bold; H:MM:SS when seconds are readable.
**9:17:19**
